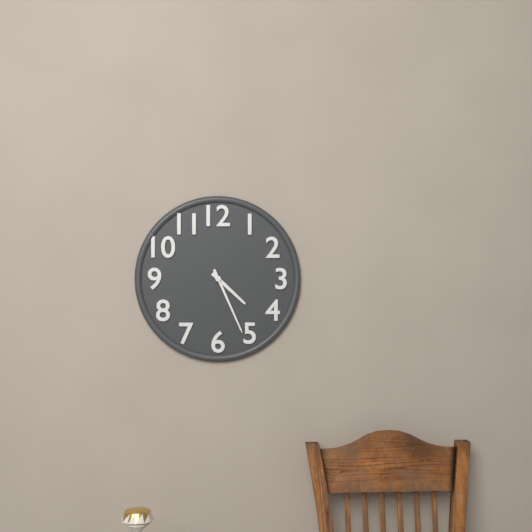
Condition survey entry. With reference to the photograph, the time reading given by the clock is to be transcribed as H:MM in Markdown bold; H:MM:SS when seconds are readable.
**4:26**
